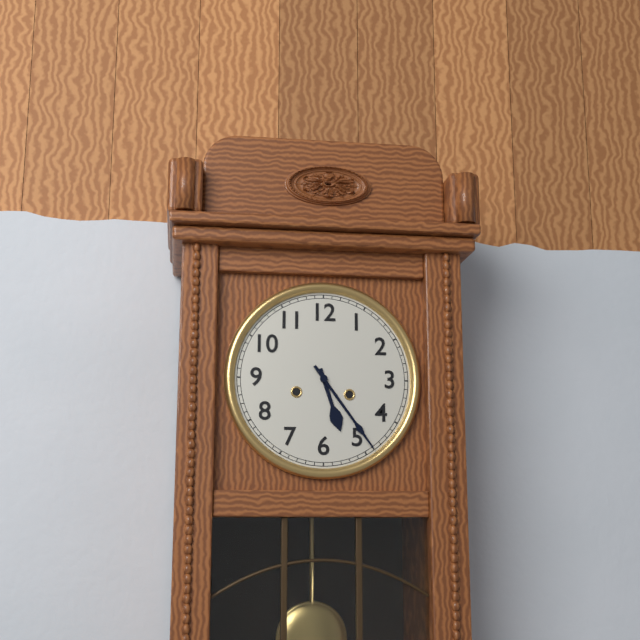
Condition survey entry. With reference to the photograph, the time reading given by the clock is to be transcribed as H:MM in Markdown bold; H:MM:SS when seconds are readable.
**5:24**
